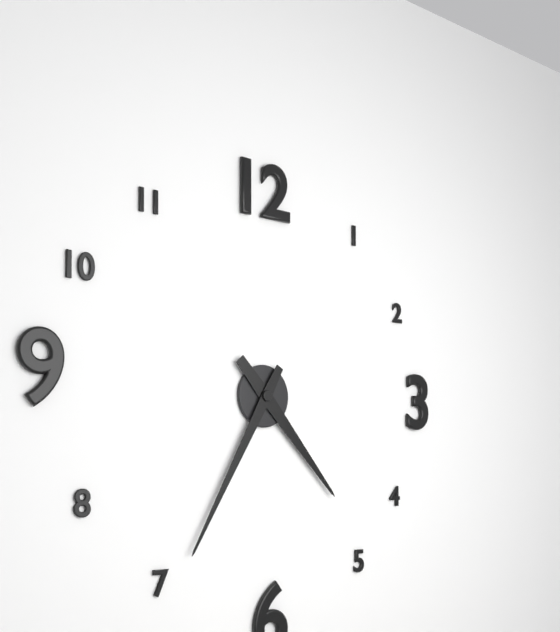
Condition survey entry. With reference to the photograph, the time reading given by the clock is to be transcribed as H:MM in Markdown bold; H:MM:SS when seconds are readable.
**4:35**
